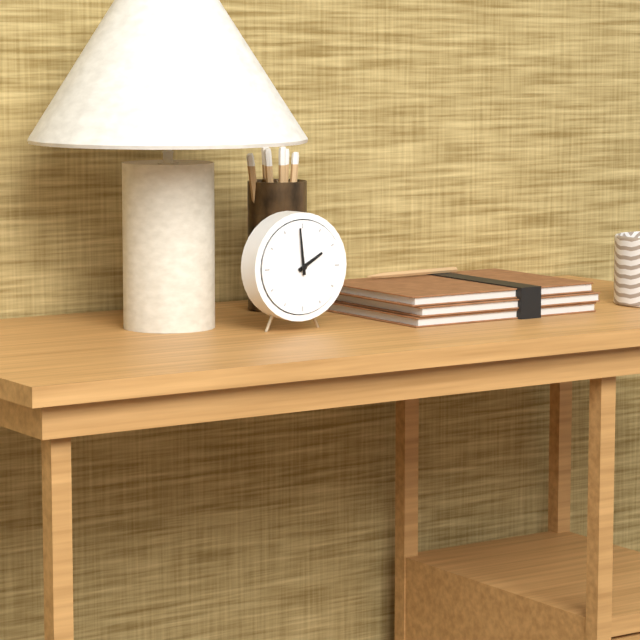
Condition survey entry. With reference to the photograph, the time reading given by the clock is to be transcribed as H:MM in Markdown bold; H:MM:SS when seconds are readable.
**1:59**
